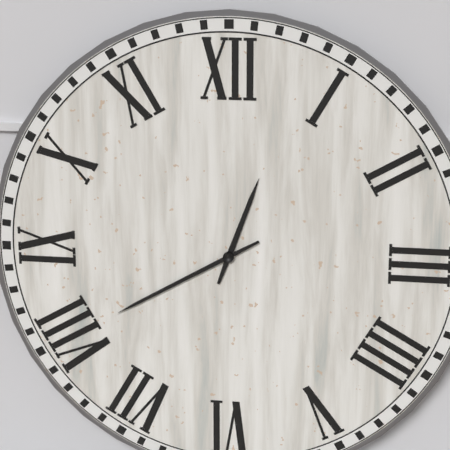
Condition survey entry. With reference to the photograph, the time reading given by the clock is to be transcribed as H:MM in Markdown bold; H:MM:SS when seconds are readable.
**12:40**
